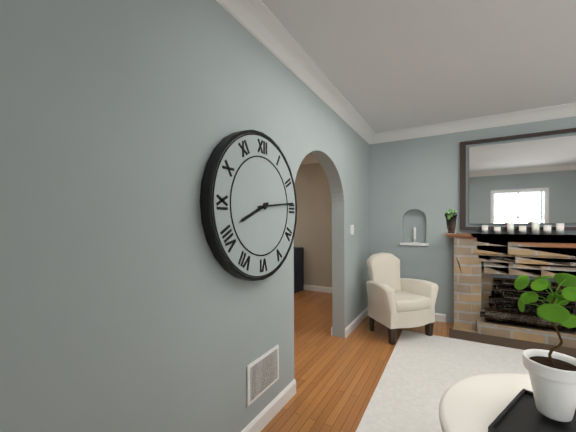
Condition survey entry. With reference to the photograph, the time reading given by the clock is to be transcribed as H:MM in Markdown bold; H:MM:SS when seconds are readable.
**8:14**
